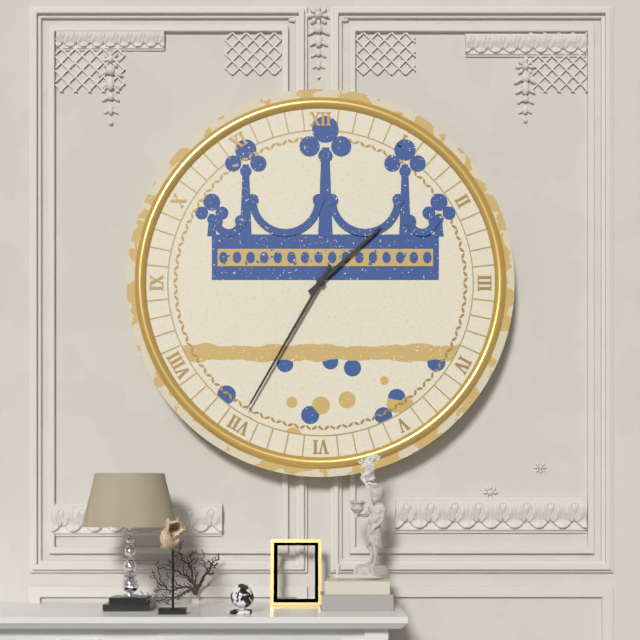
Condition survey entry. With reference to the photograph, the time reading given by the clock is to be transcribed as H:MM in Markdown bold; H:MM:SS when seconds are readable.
**1:35**
